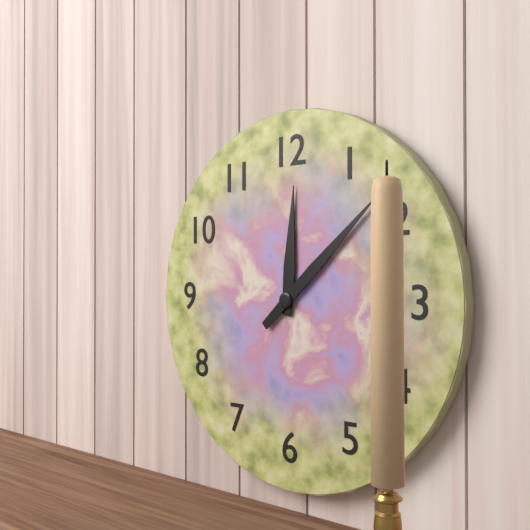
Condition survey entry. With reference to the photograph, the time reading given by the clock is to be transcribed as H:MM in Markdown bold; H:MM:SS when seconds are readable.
**12:08**
